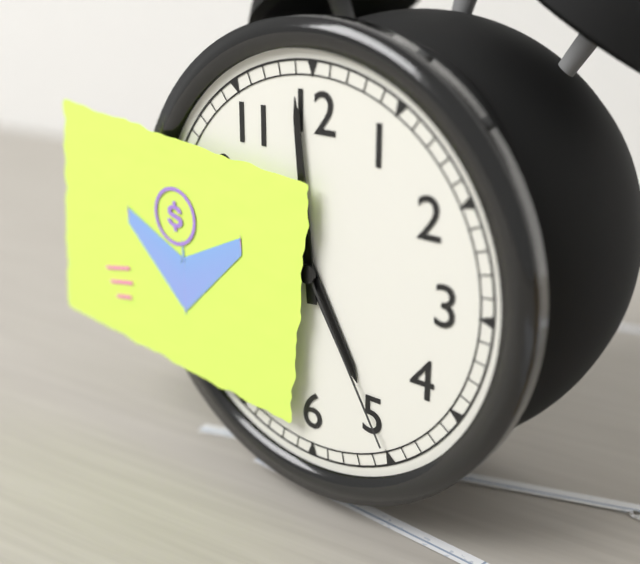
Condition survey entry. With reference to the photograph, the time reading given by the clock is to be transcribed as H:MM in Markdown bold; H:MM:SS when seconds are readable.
**4:59:25**
